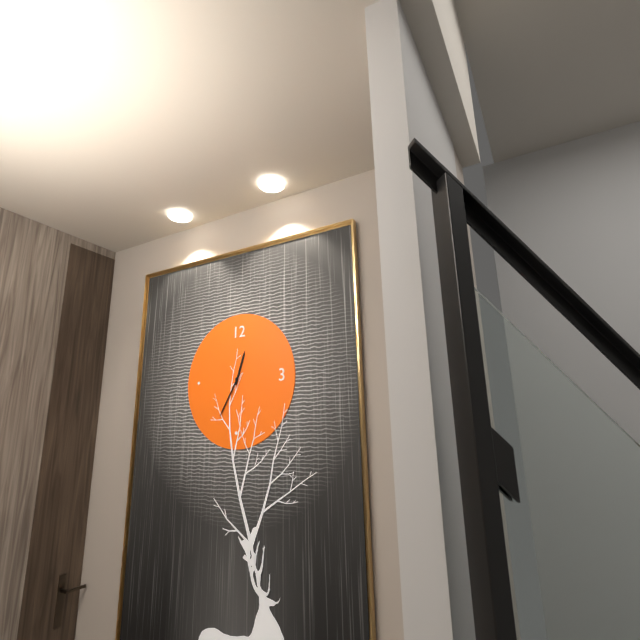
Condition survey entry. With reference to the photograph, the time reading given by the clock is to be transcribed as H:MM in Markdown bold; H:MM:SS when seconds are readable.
**12:35**
